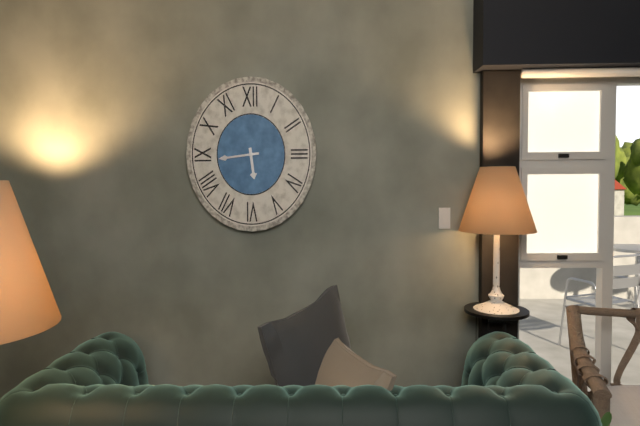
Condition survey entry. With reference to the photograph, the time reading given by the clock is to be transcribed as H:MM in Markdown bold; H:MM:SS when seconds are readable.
**5:44**
